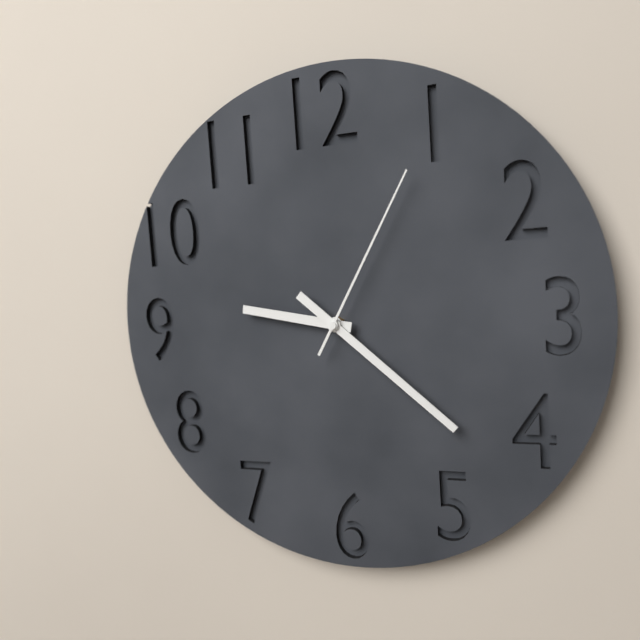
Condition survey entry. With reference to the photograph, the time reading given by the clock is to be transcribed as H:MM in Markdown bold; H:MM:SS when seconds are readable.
**9:22:05**
